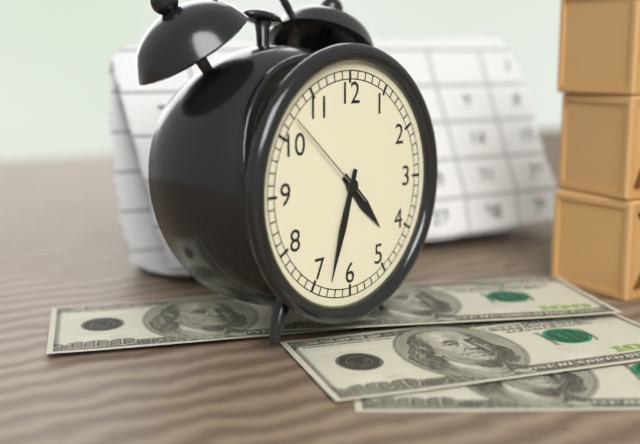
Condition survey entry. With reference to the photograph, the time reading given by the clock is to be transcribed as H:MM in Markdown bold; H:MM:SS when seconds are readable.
**4:33:52**
